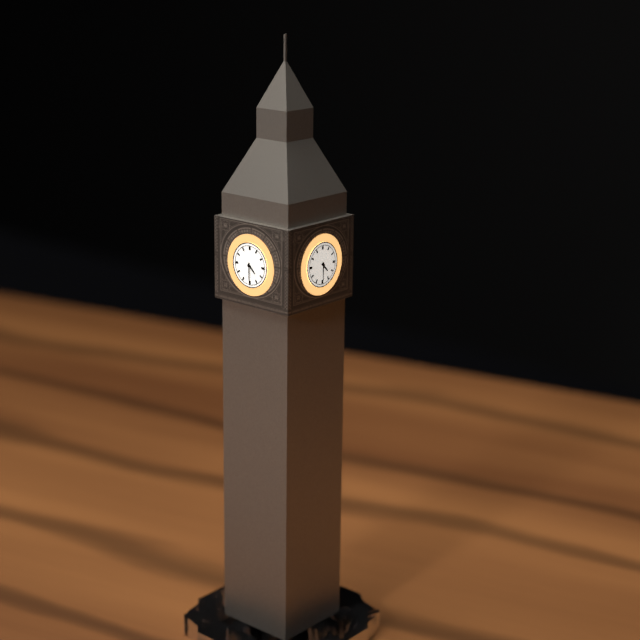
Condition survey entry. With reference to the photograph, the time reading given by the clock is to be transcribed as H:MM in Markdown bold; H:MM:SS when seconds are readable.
**4:30**
